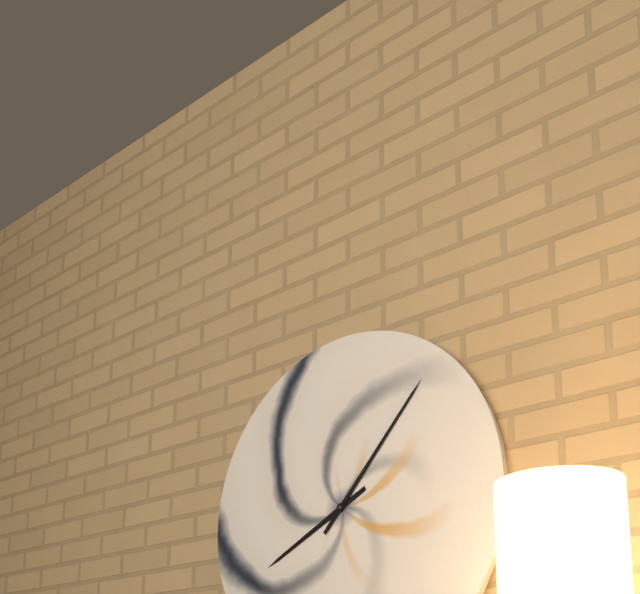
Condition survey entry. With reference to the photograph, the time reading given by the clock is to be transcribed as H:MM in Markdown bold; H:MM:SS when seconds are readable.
**8:07**
